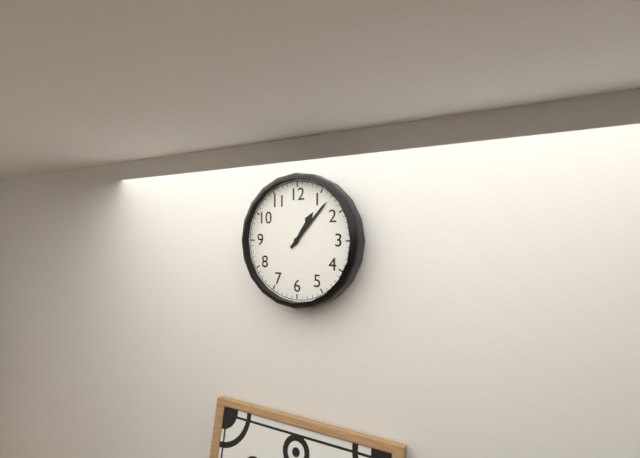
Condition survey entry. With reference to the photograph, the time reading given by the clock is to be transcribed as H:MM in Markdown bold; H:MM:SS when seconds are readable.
**1:07**
